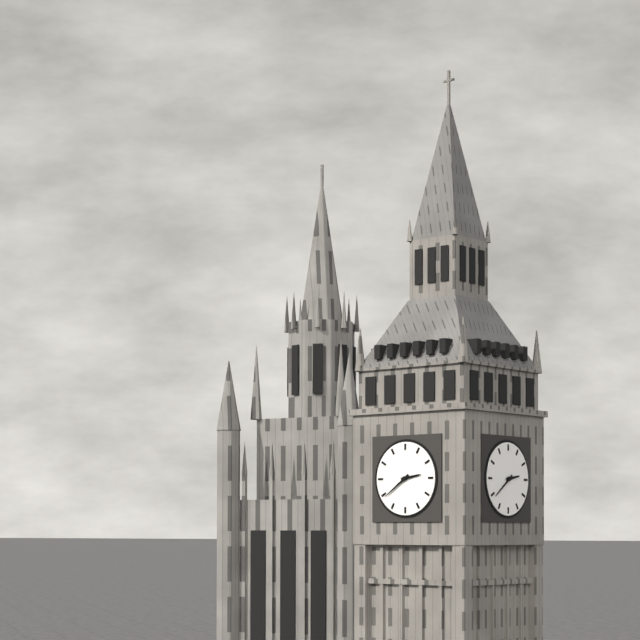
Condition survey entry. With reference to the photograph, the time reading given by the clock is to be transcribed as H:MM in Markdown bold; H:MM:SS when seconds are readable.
**2:39**
